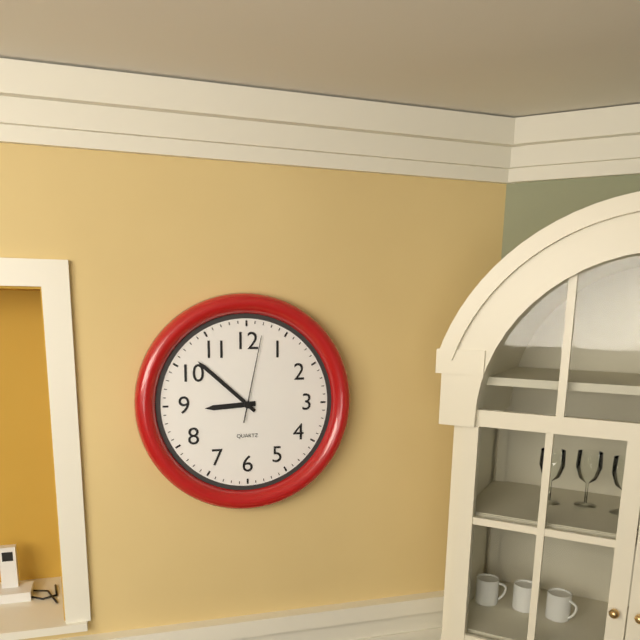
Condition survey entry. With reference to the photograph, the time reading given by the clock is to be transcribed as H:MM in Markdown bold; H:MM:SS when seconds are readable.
**8:52:02**
